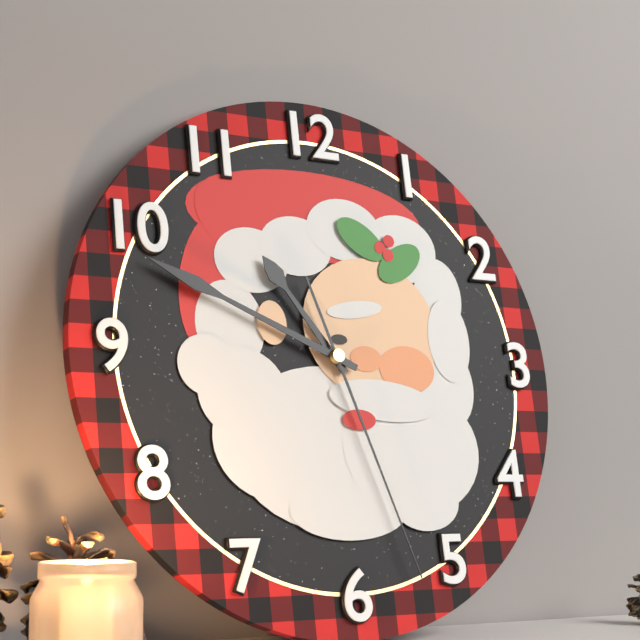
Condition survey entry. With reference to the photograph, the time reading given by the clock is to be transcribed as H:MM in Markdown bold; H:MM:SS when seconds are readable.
**10:49:27**
